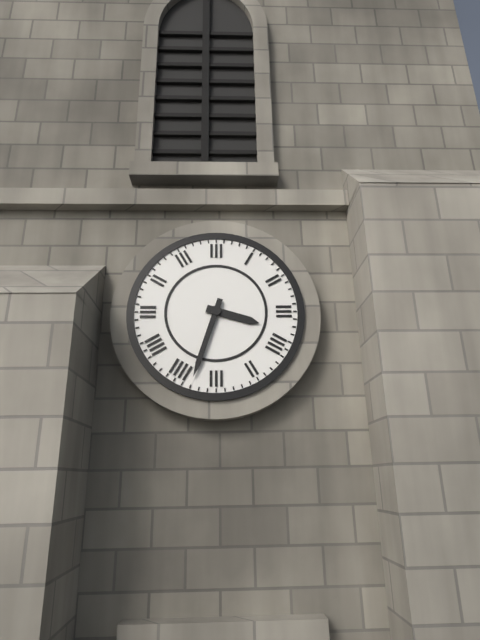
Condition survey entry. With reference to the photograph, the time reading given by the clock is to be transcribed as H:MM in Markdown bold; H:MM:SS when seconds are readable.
**3:33**
